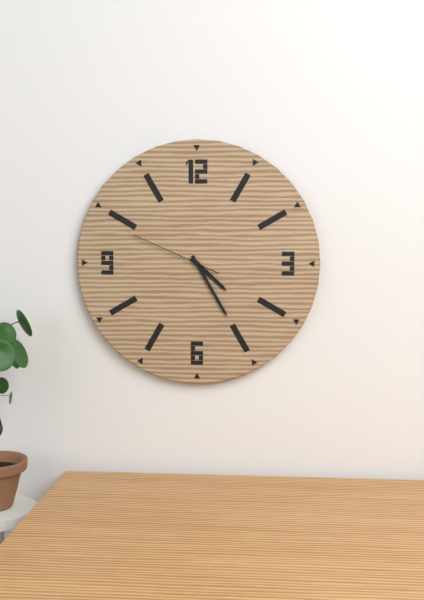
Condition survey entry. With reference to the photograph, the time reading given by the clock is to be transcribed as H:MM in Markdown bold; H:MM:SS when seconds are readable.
**4:25:49**
